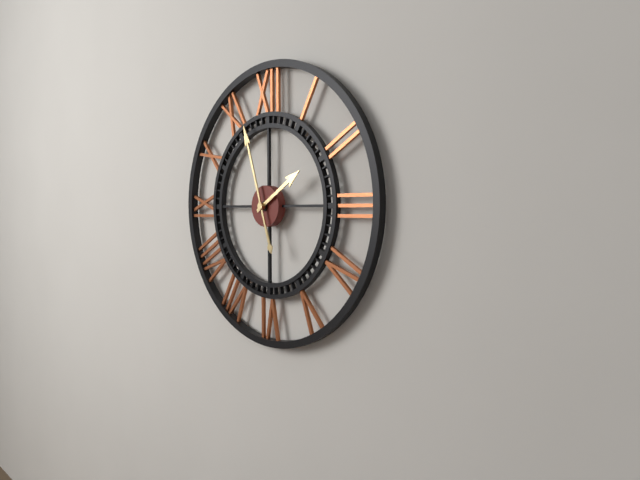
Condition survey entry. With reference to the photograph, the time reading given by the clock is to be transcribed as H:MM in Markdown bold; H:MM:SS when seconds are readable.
**1:57**
